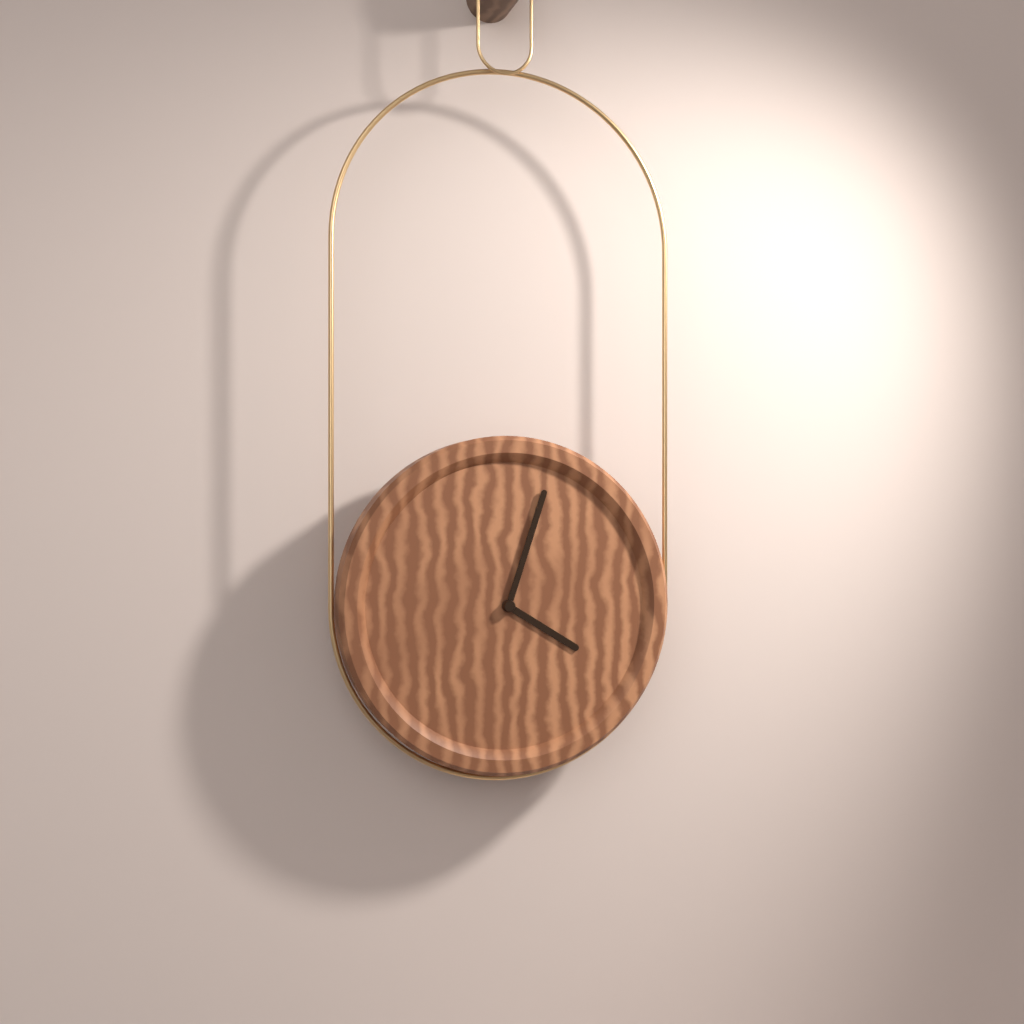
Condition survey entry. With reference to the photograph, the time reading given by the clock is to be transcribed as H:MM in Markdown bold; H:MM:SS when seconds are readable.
**4:03**
